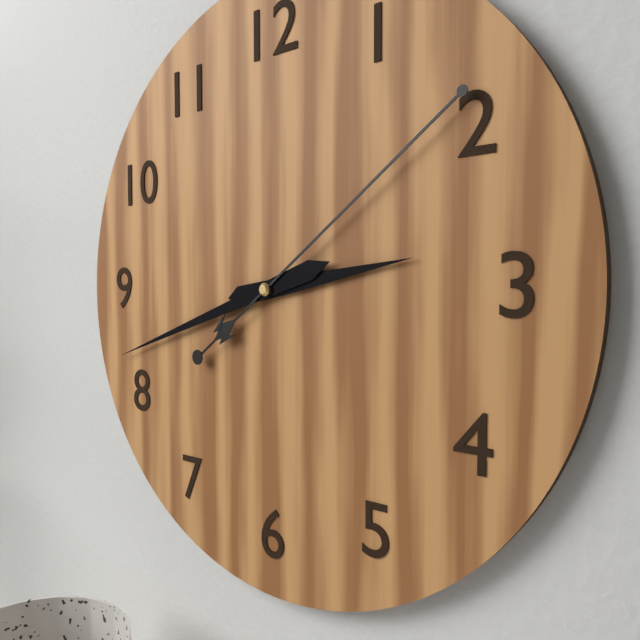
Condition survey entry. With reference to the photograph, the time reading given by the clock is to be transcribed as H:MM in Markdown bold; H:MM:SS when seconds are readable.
**2:42:09**
